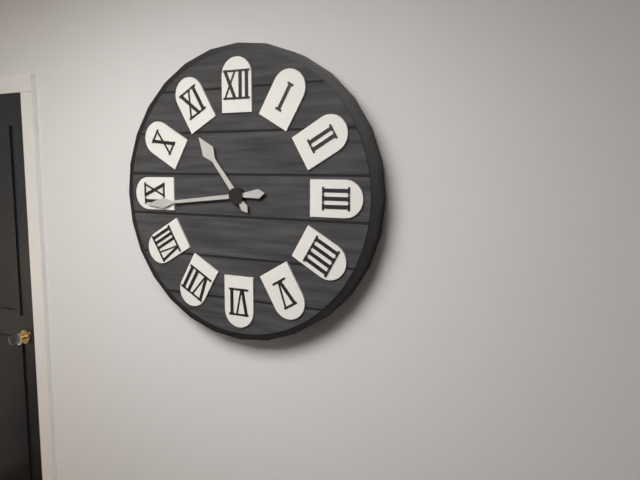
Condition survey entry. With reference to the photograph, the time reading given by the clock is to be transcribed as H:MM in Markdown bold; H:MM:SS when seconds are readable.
**10:44**
